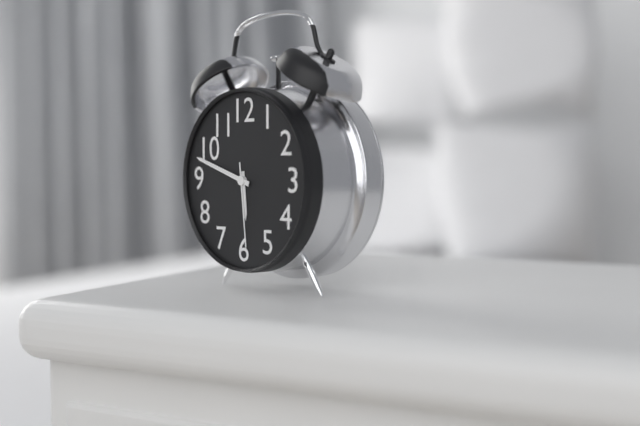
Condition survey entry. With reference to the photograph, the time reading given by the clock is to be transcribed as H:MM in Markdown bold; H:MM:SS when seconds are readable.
**5:48:29**
